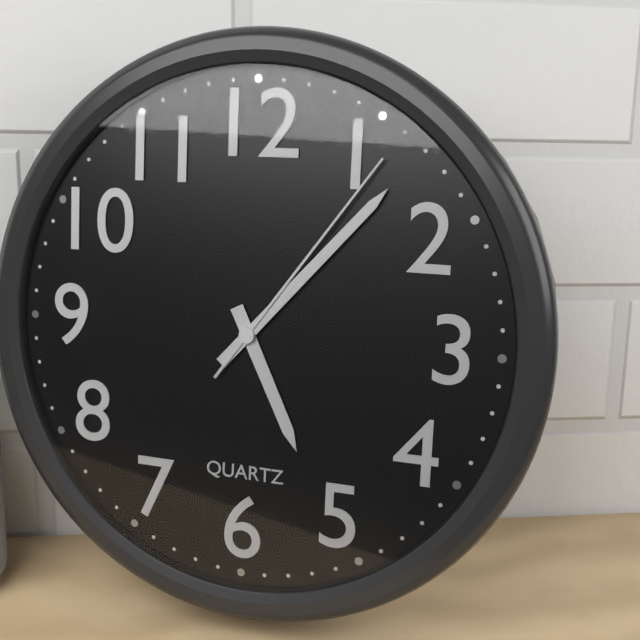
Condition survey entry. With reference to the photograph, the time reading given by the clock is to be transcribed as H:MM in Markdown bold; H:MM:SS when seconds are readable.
**5:07:06**
